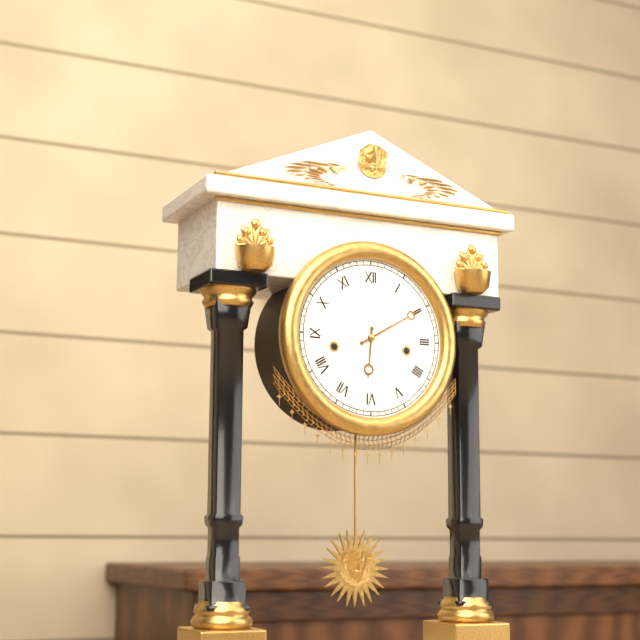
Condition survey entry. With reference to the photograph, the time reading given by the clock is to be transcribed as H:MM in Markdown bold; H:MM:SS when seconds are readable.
**6:10**
